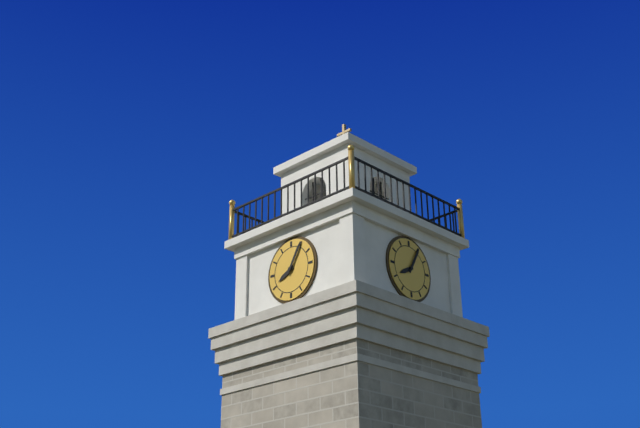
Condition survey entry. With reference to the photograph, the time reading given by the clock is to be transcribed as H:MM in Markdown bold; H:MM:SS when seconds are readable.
**8:05**
